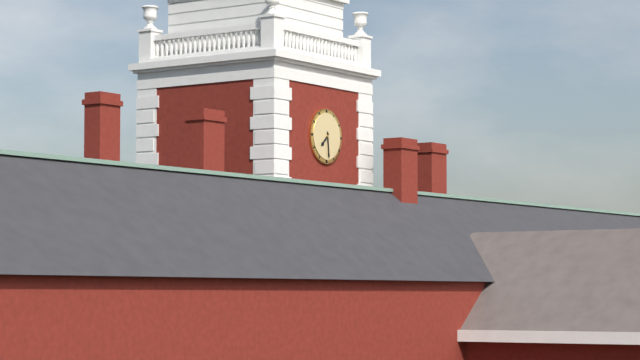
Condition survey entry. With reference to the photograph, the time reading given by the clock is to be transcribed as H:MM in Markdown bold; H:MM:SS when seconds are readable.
**7:29**
